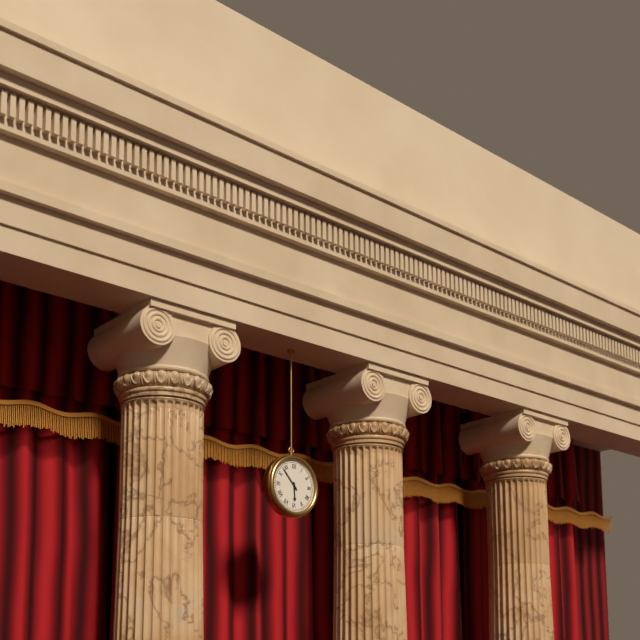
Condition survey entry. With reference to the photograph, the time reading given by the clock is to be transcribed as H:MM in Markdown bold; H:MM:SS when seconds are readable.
**5:53**
